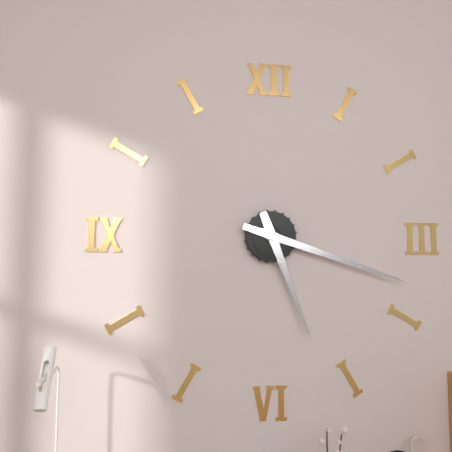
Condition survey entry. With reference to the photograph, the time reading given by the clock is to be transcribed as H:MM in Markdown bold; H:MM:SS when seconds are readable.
**5:18**
